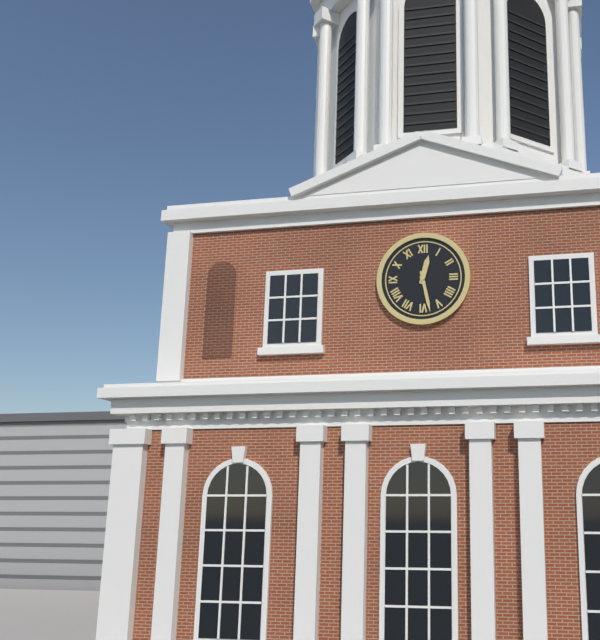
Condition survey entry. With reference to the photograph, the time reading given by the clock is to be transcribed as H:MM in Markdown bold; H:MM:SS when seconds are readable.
**12:28**
